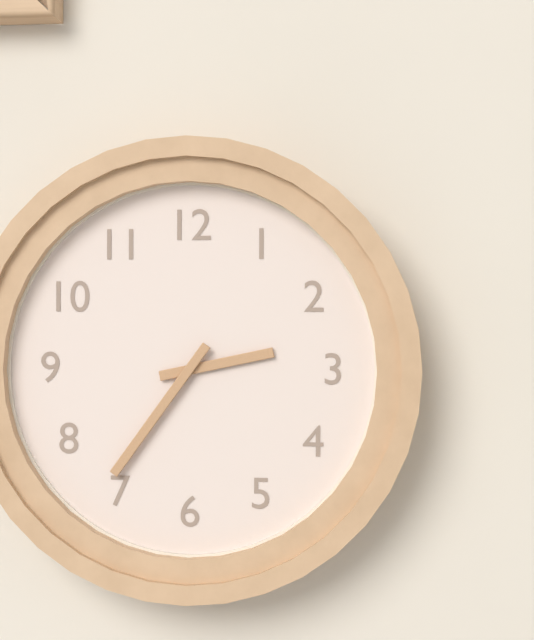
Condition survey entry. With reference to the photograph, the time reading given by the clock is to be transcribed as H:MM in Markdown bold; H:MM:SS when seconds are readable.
**2:36**
